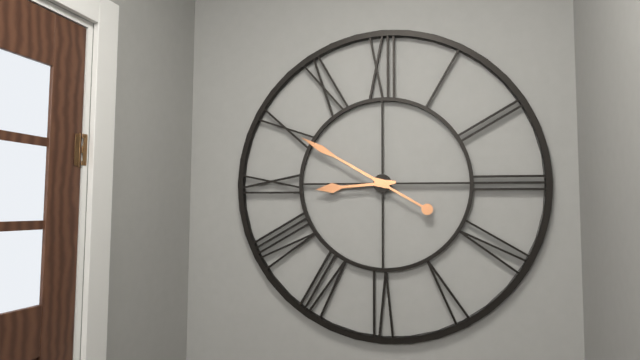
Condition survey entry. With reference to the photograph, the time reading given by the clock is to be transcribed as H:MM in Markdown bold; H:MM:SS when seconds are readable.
**8:50**
